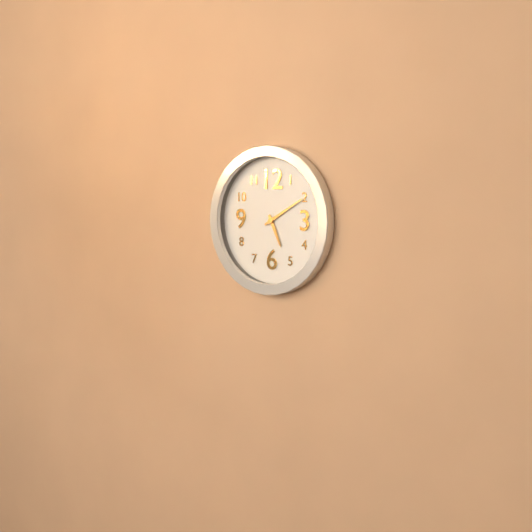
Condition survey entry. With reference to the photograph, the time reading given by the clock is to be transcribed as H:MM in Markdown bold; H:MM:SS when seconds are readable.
**5:10**
